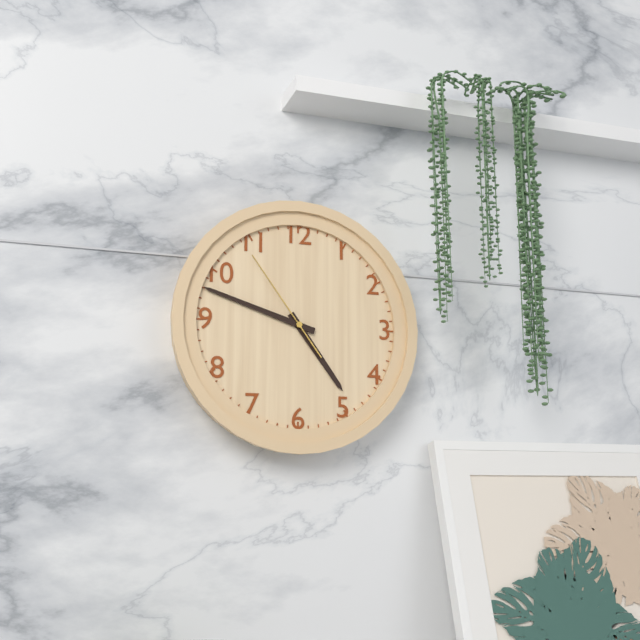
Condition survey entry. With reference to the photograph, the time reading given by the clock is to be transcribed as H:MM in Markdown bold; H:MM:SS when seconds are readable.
**4:48:54**
